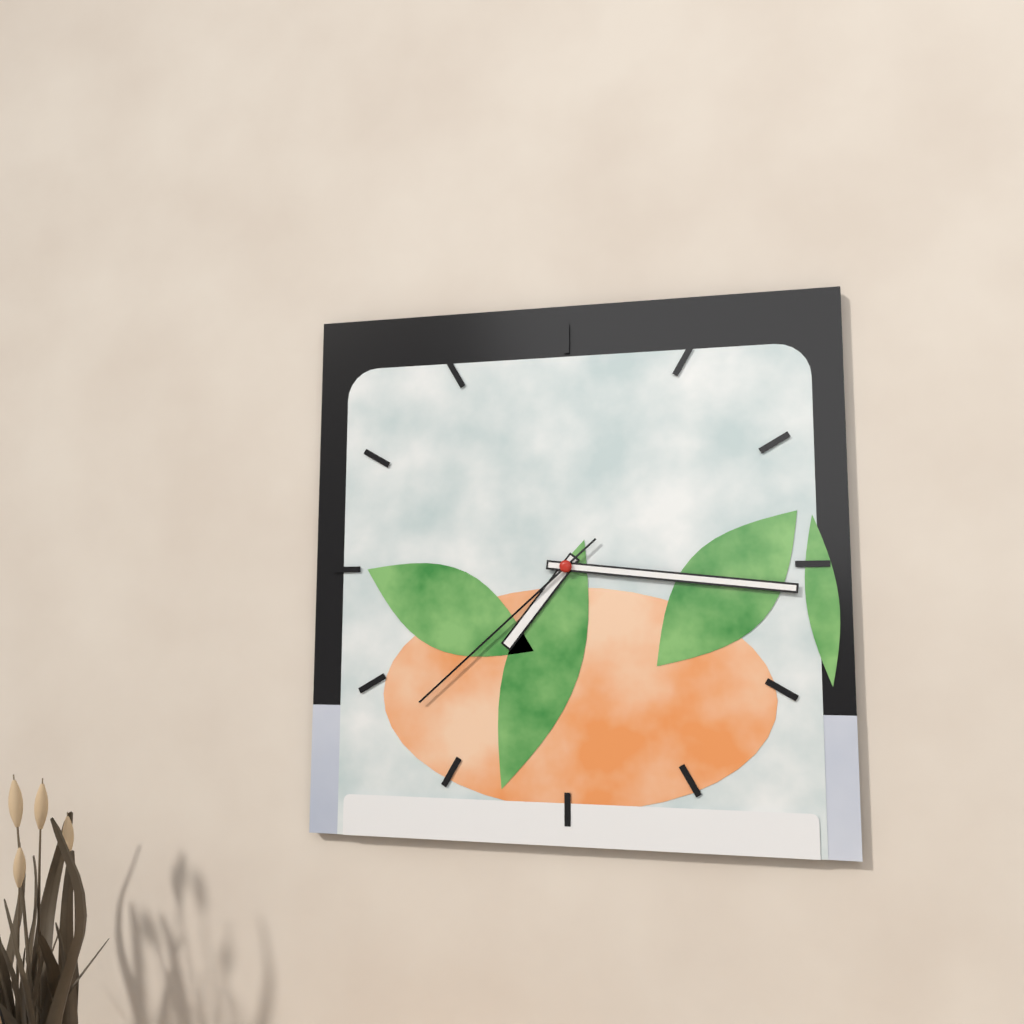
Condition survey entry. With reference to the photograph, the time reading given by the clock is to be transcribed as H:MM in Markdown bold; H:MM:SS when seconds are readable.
**7:16:38**
